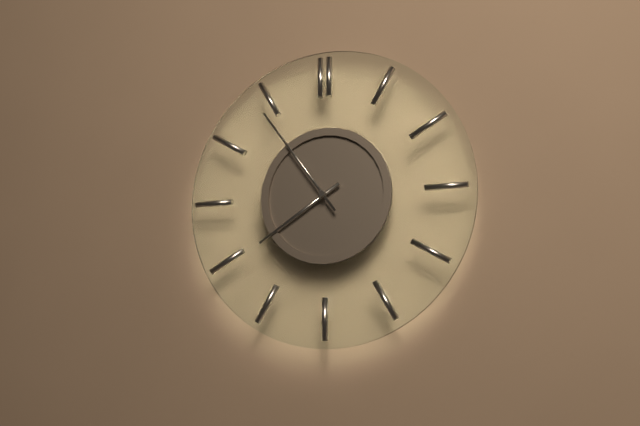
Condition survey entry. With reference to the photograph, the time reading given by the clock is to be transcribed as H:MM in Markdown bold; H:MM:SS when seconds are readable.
**7:54**
